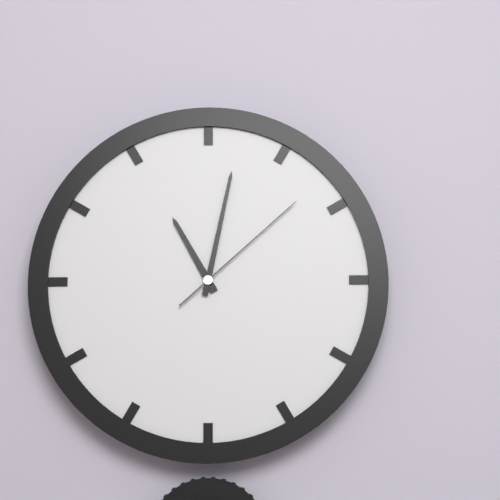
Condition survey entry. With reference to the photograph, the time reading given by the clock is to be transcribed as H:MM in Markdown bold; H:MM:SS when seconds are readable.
**11:02:08**
